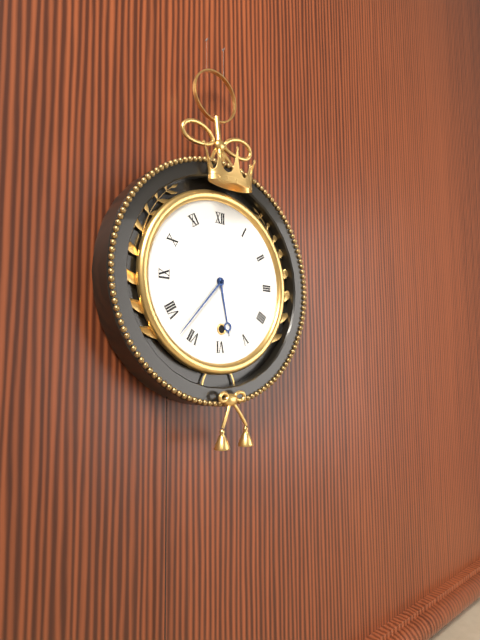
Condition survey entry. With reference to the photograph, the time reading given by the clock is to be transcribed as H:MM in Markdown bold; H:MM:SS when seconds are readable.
**5:37**
